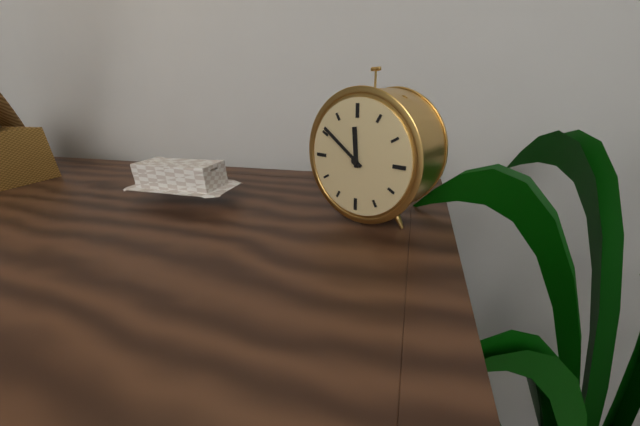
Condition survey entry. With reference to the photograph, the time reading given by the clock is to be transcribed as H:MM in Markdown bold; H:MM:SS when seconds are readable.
**11:51**
